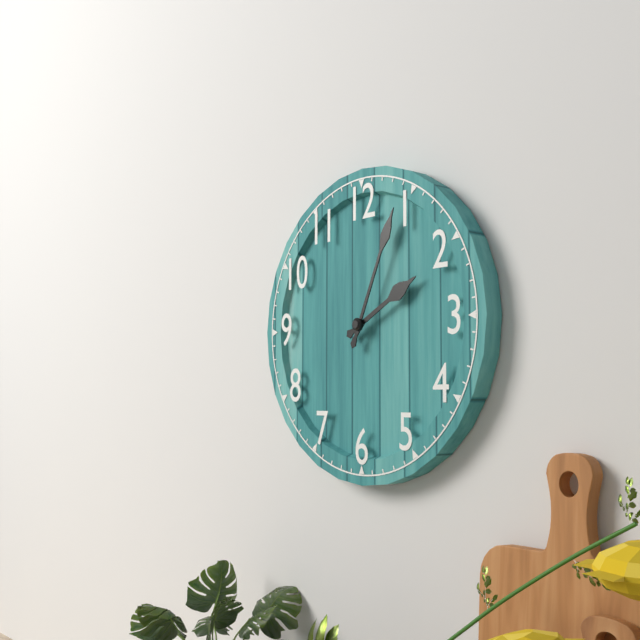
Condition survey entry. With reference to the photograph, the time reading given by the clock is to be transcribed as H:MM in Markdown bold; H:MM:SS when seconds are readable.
**2:04**
